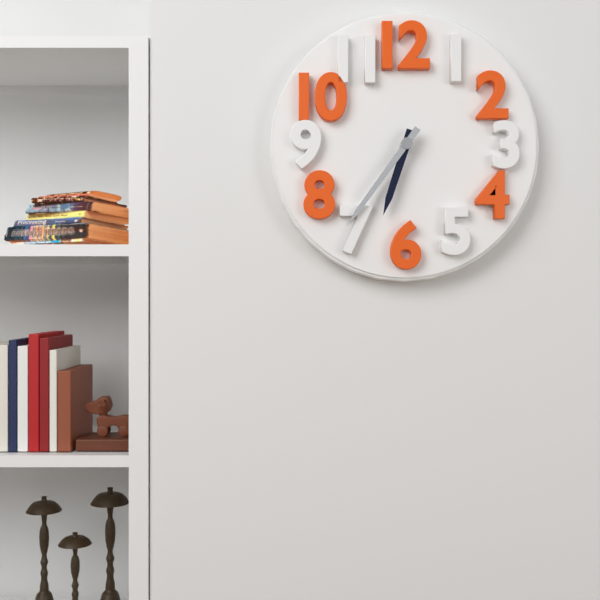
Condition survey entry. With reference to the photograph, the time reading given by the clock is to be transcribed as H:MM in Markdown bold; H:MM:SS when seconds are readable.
**6:36**
